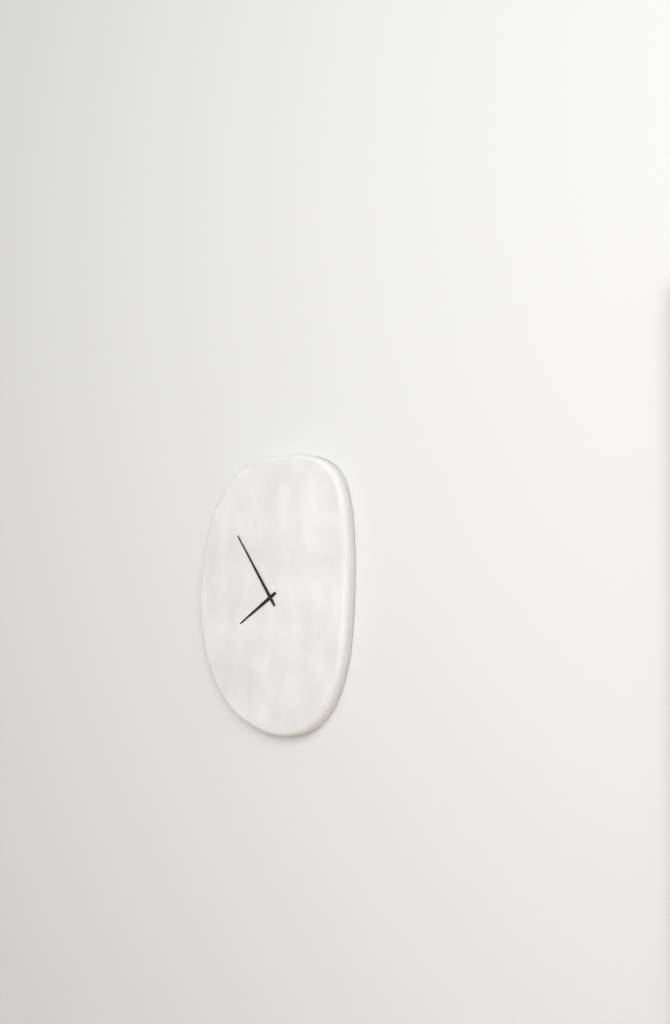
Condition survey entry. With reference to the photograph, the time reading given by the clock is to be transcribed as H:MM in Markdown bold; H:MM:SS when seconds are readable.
**7:54**
